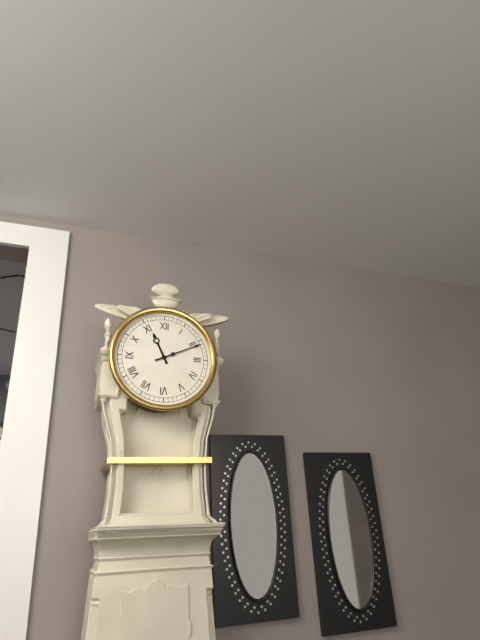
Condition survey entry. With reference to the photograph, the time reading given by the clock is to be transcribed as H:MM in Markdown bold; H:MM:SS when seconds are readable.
**11:11**
